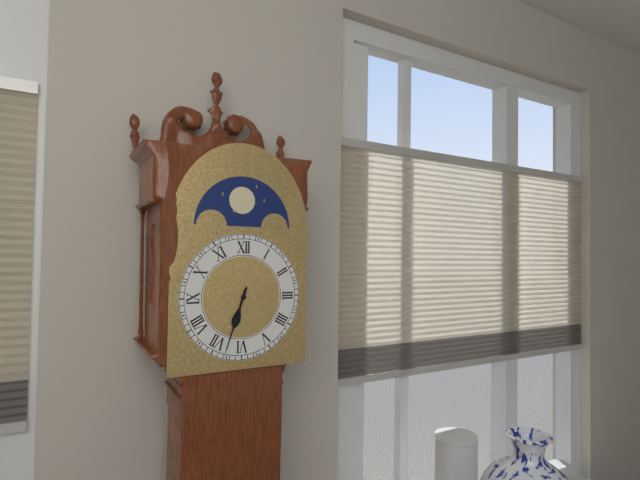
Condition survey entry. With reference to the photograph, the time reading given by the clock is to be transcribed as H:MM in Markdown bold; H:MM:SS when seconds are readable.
**6:33**
